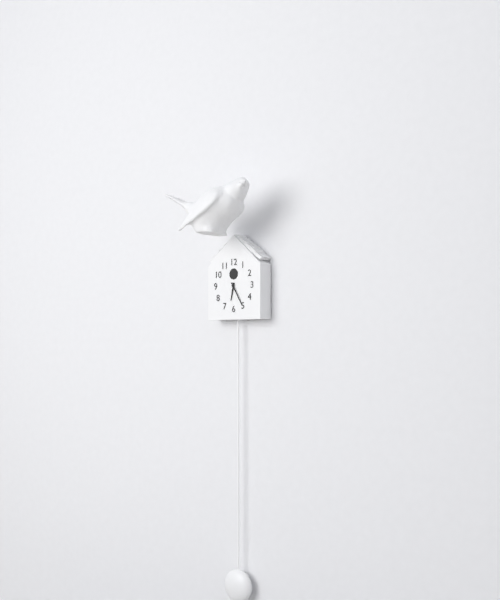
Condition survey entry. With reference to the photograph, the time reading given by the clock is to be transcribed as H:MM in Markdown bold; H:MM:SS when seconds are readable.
**6:25**
